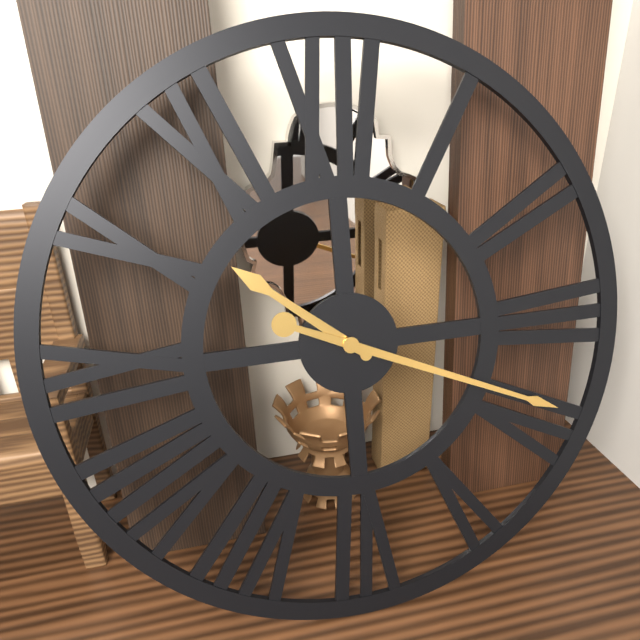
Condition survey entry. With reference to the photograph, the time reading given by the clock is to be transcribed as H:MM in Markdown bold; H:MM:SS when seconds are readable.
**10:19**
